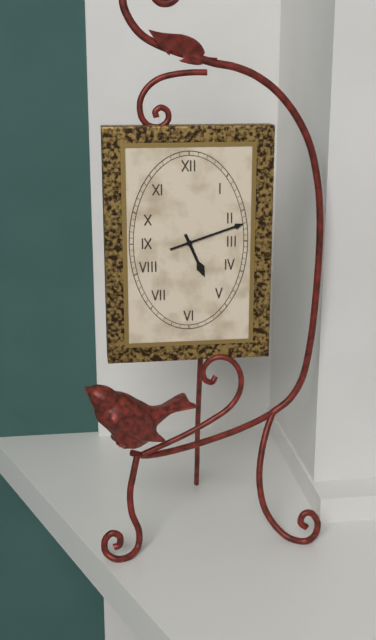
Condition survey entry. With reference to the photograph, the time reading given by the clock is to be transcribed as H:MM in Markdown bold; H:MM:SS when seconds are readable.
**5:12**
